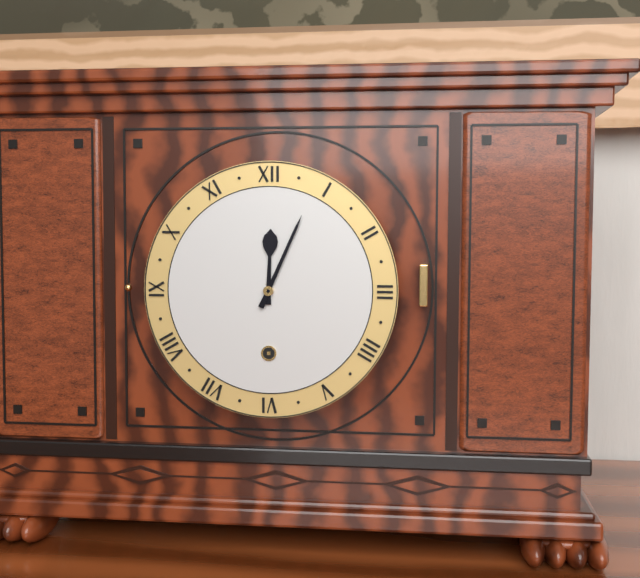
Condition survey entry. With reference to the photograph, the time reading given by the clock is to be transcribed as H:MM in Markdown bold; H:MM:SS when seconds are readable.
**12:04**
